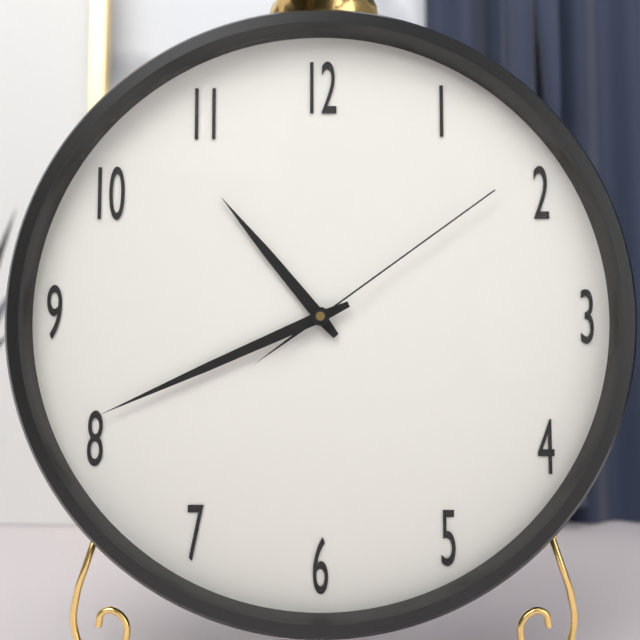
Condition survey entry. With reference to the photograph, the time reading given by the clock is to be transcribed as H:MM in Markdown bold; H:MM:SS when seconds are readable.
**10:41:09**
